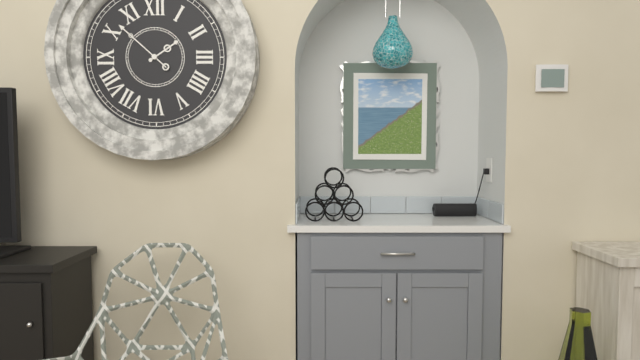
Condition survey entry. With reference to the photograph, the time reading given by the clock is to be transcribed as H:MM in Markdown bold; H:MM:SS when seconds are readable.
**1:52**
